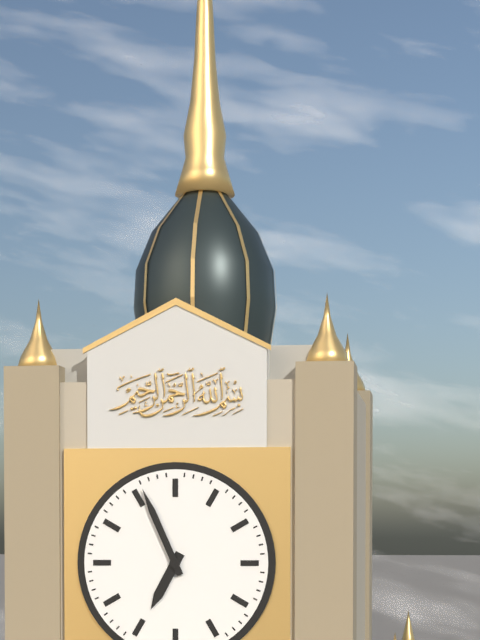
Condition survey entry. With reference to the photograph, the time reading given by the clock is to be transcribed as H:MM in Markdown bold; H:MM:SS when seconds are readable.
**6:56**
